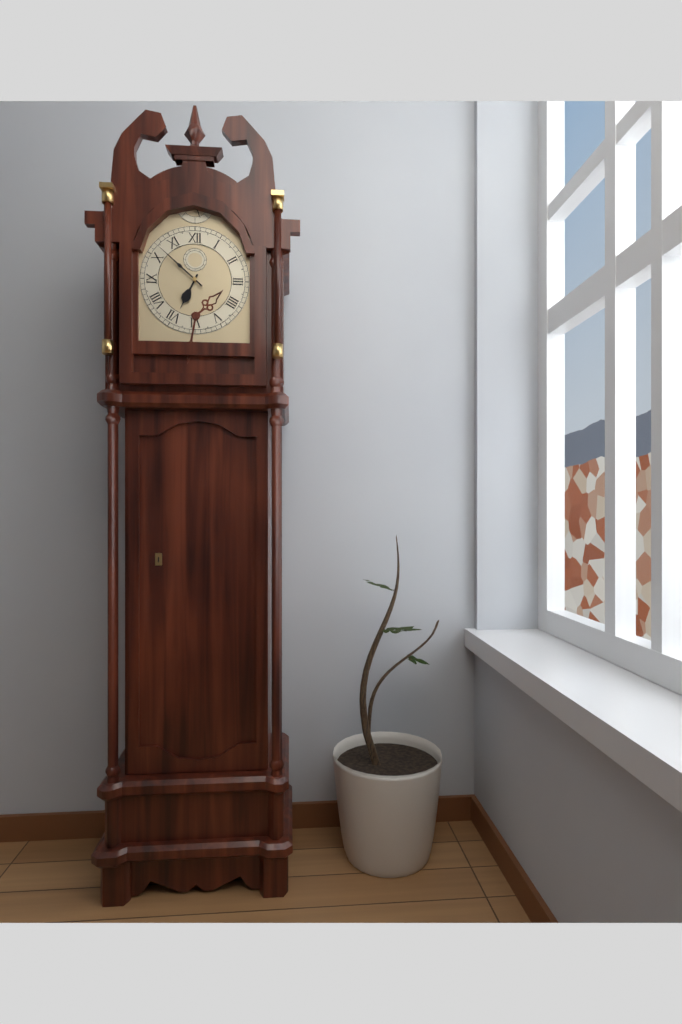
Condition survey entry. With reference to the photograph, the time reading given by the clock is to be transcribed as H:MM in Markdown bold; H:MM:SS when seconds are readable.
**6:52**
